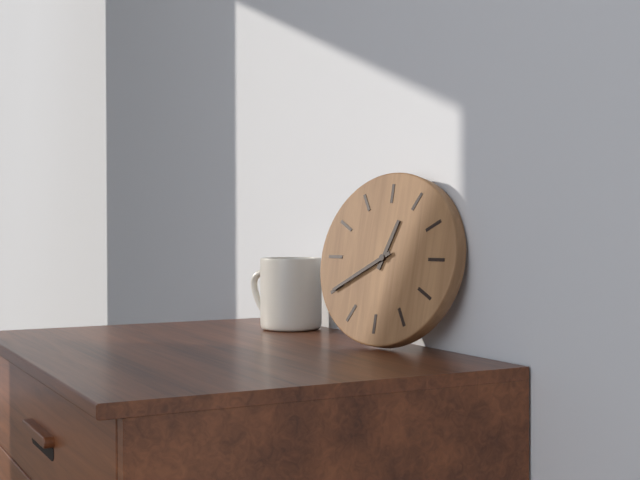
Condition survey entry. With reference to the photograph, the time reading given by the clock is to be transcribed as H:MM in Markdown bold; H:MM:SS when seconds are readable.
**12:40**
